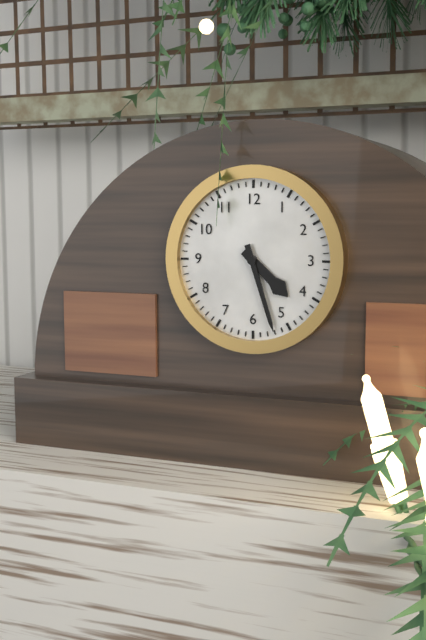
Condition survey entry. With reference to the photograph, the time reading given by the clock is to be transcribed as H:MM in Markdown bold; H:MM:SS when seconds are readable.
**4:27**
